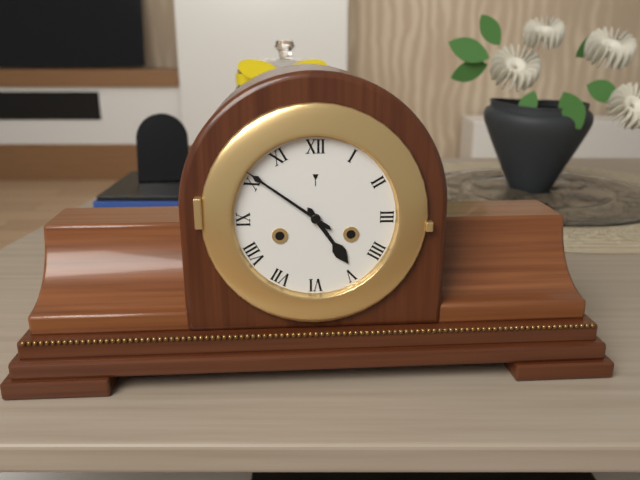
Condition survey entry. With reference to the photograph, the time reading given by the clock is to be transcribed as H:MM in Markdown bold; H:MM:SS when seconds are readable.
**4:51**
